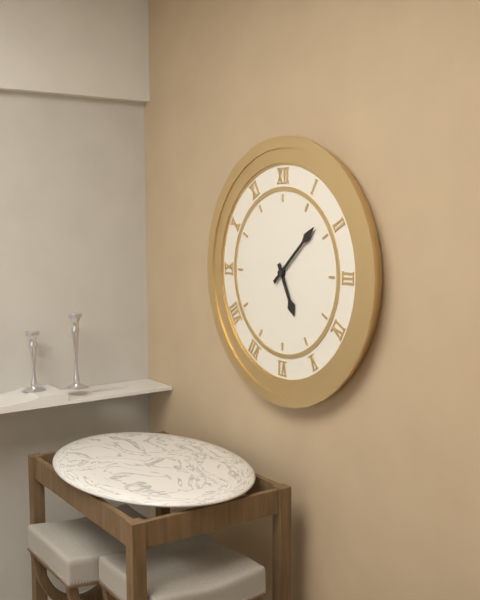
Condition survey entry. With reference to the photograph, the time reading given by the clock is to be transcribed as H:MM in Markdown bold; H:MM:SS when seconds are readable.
**5:08**
